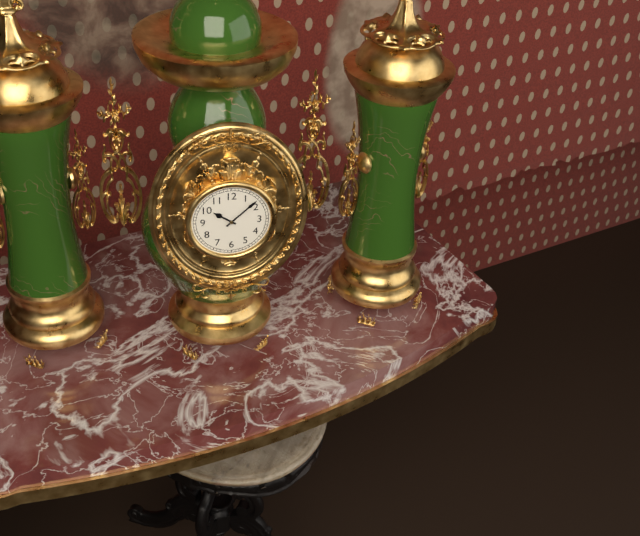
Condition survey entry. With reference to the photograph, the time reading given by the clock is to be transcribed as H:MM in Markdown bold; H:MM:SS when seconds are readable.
**10:08**
